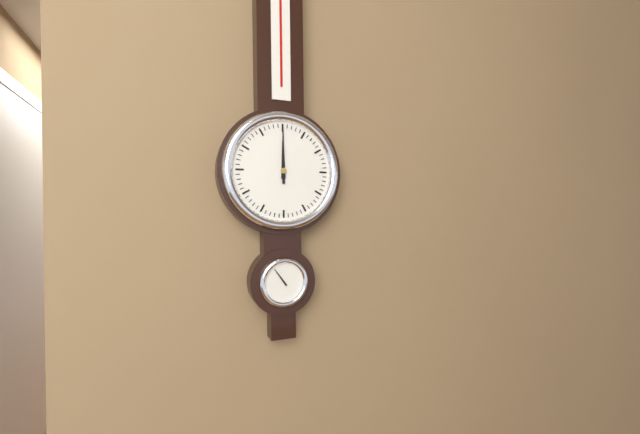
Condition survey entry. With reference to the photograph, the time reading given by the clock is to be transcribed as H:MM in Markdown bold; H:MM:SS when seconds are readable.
**12:00**
